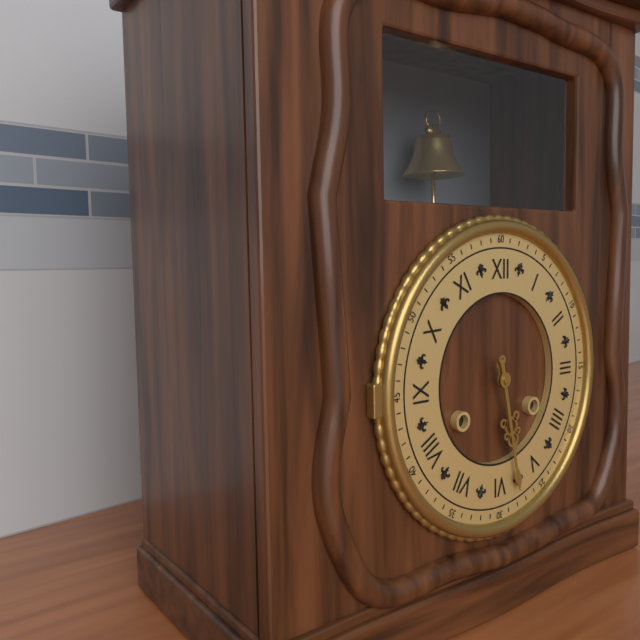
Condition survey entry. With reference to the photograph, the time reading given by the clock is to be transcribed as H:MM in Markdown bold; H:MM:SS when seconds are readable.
**5:28**
